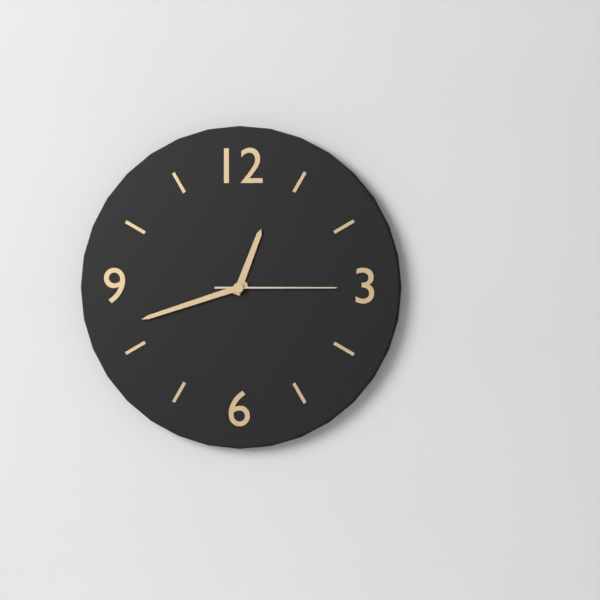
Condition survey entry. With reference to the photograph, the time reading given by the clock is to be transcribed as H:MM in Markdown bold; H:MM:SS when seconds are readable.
**12:42:15**
